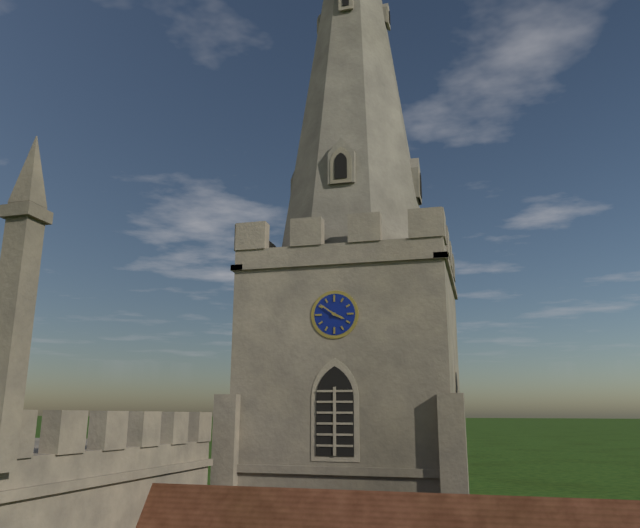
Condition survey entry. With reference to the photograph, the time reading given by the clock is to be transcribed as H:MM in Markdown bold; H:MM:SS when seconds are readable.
**3:51**
